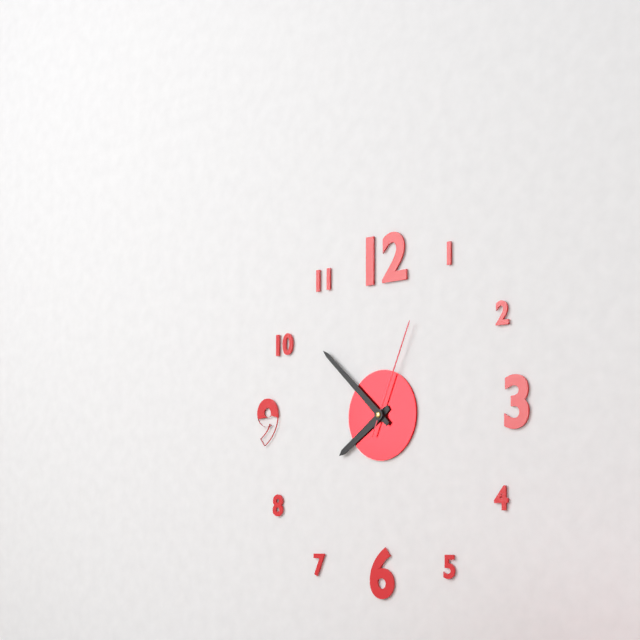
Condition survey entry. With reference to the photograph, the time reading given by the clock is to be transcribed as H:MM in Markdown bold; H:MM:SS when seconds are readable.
**7:52:04**
